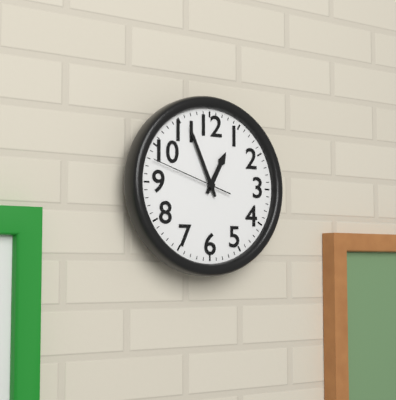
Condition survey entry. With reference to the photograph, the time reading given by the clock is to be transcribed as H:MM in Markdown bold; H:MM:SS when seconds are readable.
**12:56:48**
